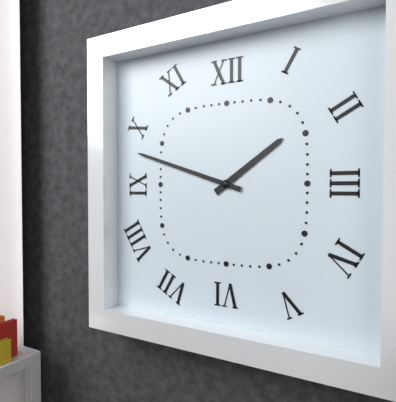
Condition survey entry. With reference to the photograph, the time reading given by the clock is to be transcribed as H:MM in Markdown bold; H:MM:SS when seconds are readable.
**1:48**
